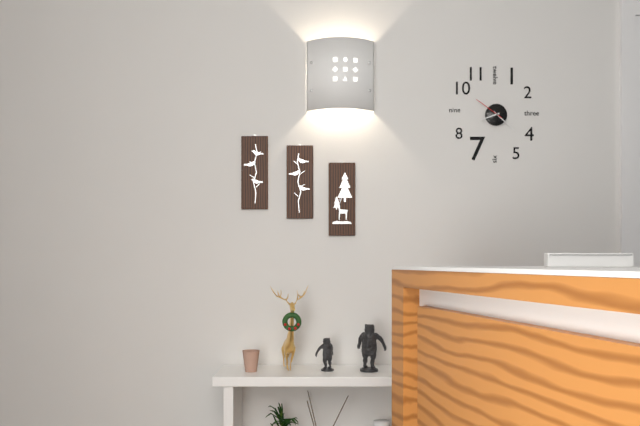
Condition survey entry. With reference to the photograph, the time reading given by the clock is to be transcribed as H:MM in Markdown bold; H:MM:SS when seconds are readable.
**8:22**
